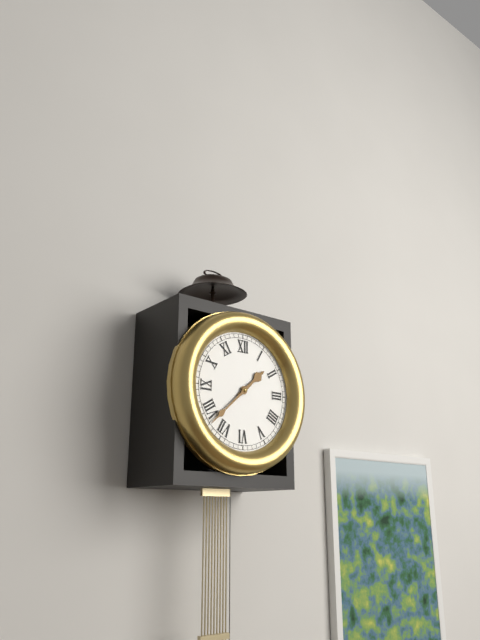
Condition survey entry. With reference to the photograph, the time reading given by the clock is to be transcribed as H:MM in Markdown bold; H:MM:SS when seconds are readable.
**1:38**
